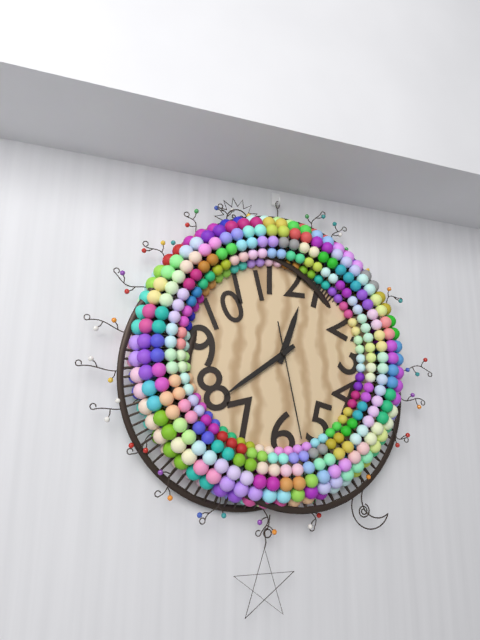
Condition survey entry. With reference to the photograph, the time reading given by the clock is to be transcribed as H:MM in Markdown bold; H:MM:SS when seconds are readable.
**12:39:28**
